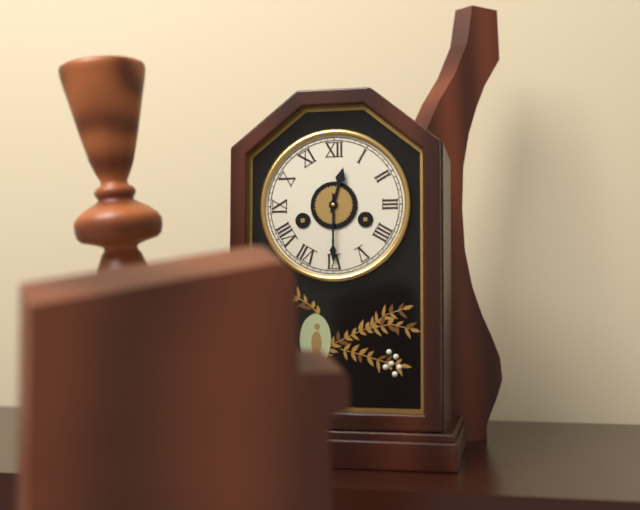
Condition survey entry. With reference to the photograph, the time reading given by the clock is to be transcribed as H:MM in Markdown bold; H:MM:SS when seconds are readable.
**12:30**
